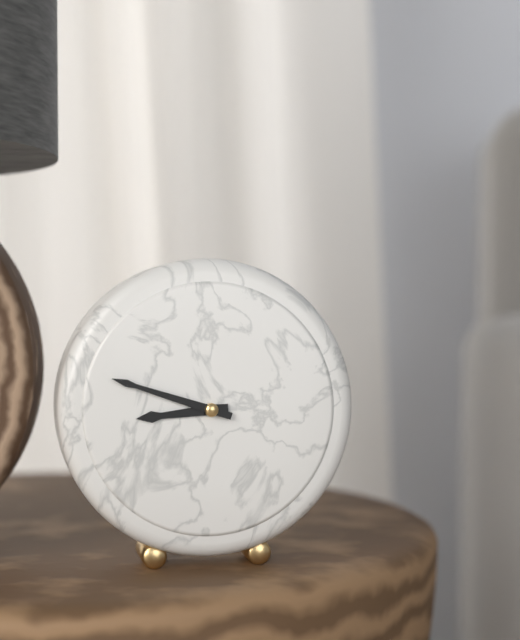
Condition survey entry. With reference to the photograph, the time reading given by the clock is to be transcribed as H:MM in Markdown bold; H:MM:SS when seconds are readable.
**8:48**
